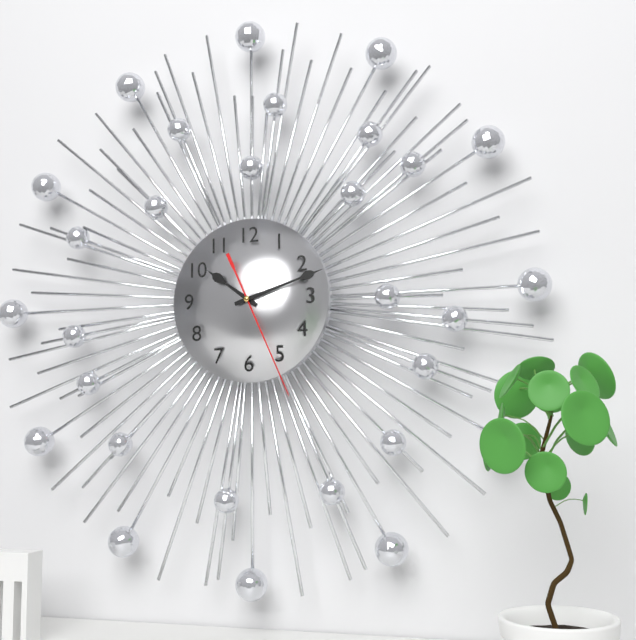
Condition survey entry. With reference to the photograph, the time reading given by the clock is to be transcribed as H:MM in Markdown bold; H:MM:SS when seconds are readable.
**10:12:26**
